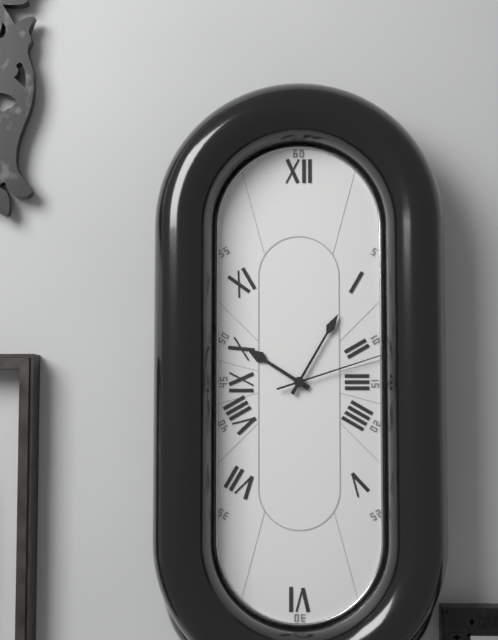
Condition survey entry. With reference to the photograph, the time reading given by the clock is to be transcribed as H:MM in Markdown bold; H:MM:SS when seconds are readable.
**10:05:12**
